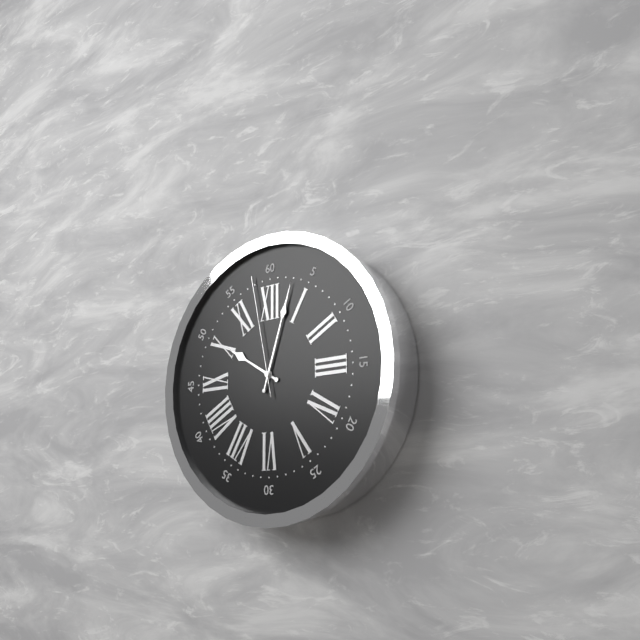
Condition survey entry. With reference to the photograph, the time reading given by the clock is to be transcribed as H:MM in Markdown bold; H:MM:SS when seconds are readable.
**10:03:58**
